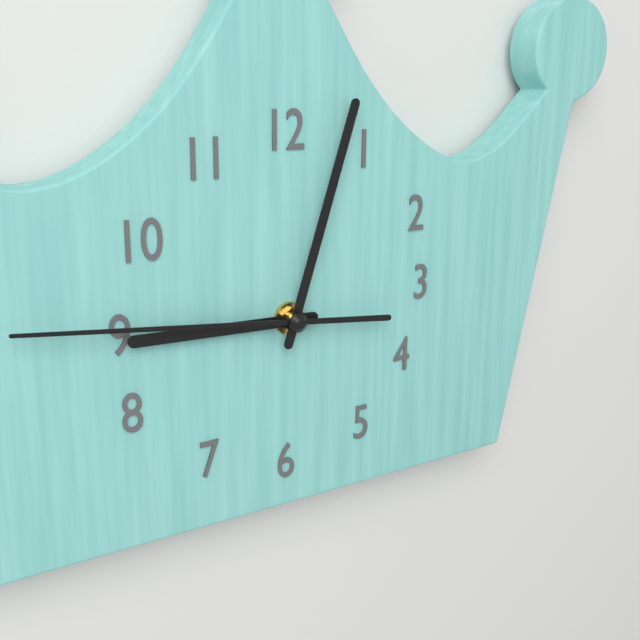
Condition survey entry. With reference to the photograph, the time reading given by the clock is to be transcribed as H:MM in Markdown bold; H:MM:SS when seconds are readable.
**9:03:46**
